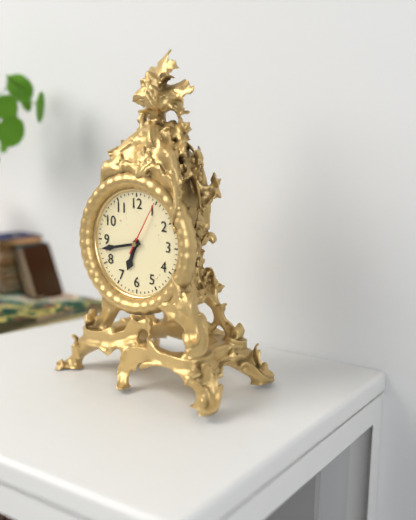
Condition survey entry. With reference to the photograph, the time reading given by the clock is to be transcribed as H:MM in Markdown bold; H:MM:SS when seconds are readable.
**6:43:05**
